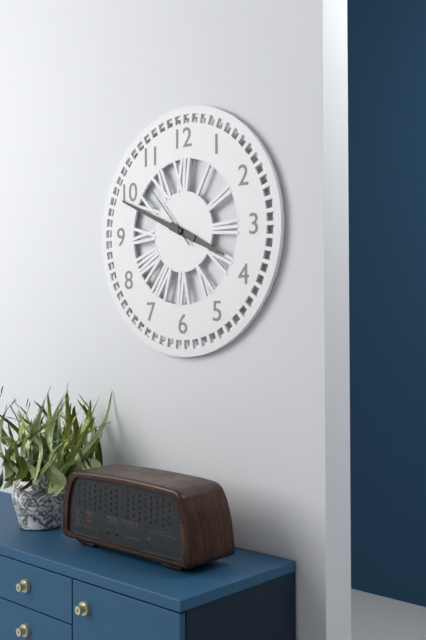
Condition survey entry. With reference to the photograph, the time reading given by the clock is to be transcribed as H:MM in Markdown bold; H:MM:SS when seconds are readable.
**3:49:53**
